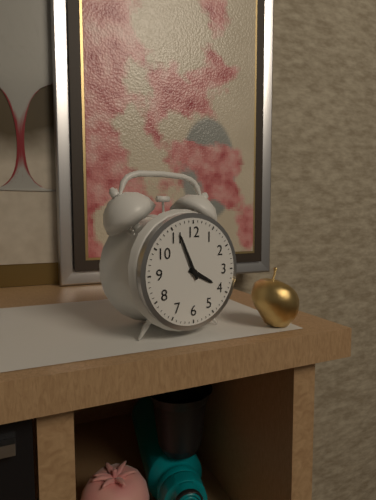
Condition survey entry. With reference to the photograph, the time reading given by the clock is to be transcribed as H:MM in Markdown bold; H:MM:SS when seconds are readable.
**3:56**
